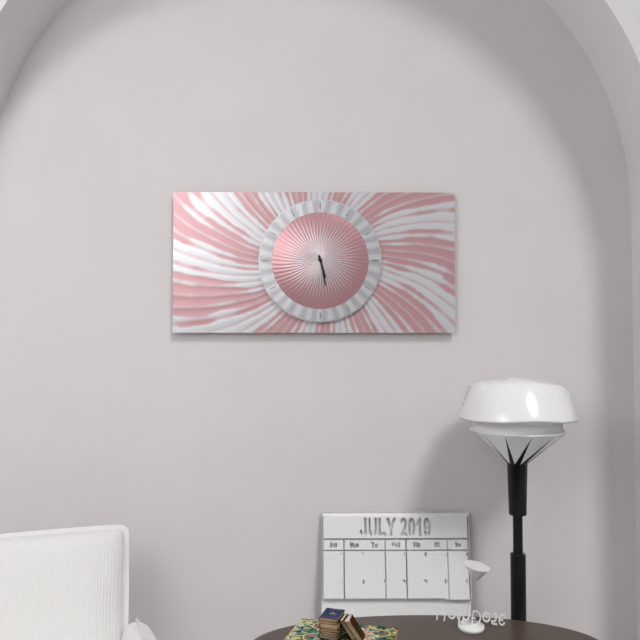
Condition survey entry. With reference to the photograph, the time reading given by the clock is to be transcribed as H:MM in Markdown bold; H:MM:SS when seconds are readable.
**5:28**
